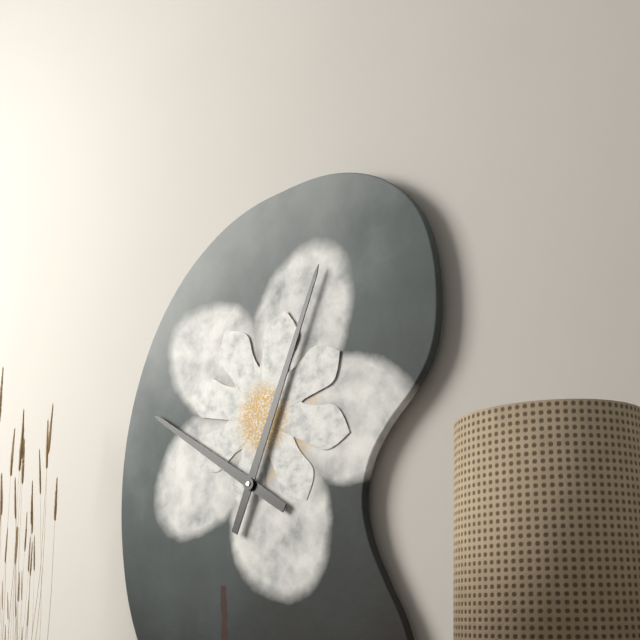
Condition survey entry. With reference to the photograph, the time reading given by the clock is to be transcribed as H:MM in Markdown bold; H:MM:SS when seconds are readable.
**10:04**
